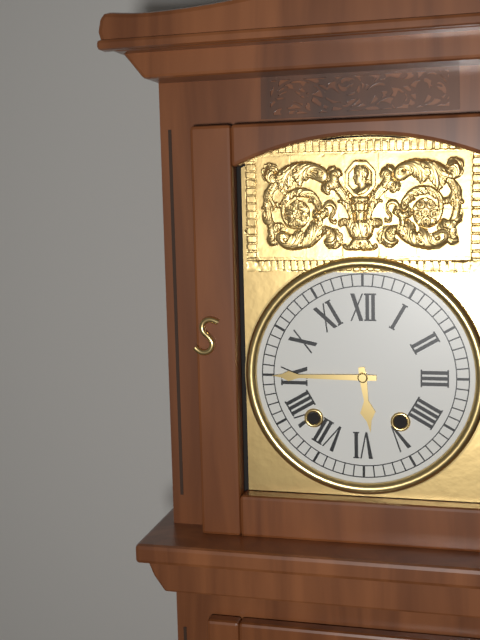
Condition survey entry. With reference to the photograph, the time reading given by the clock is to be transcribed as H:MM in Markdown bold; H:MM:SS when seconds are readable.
**5:45**
